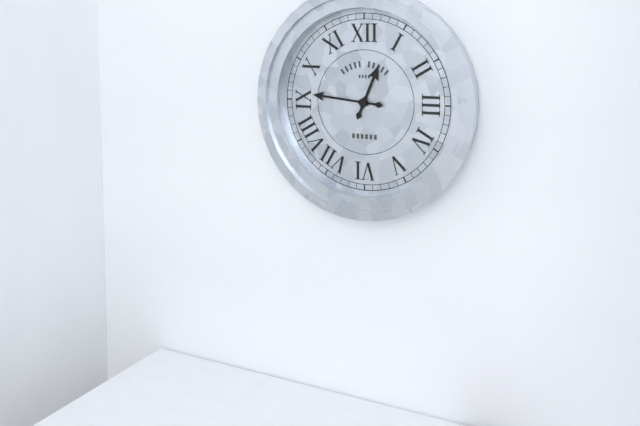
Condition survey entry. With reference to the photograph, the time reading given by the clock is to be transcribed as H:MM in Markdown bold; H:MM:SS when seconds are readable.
**12:46**
